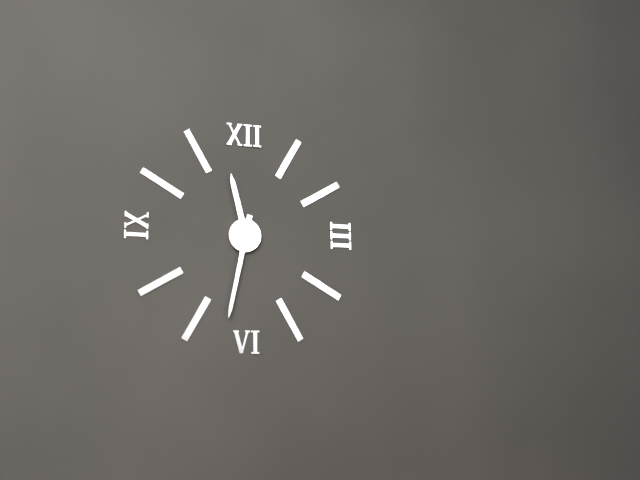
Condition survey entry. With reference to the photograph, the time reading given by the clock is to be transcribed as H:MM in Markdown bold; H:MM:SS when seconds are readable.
**11:32**
